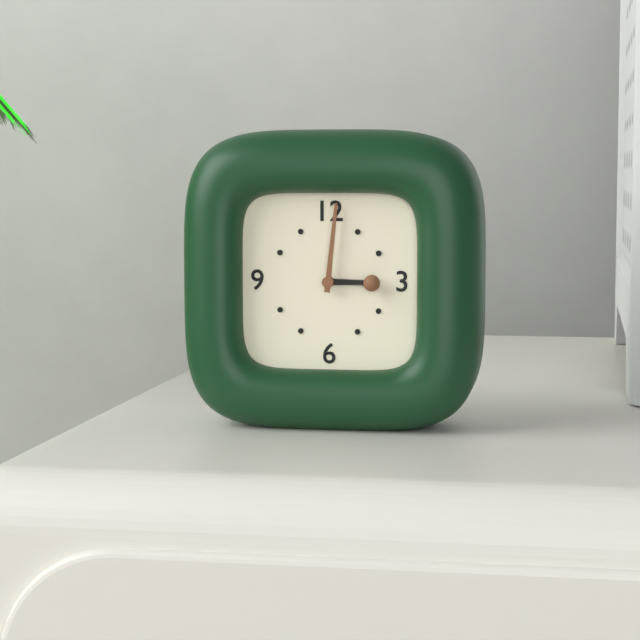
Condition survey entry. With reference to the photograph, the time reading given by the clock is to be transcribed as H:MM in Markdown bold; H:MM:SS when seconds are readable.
**3:01**
